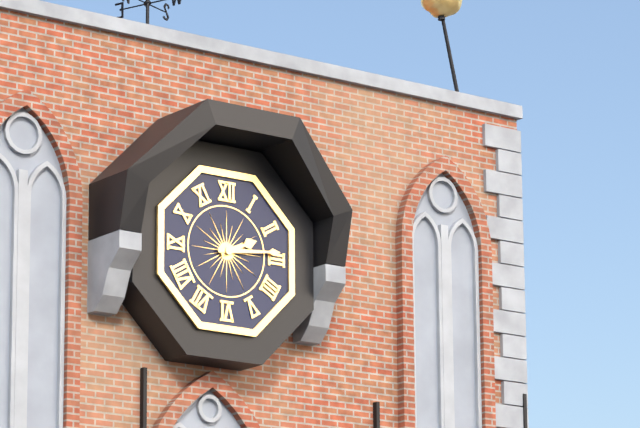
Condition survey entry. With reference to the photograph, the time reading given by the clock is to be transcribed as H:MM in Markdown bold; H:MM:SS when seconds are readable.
**2:14**
